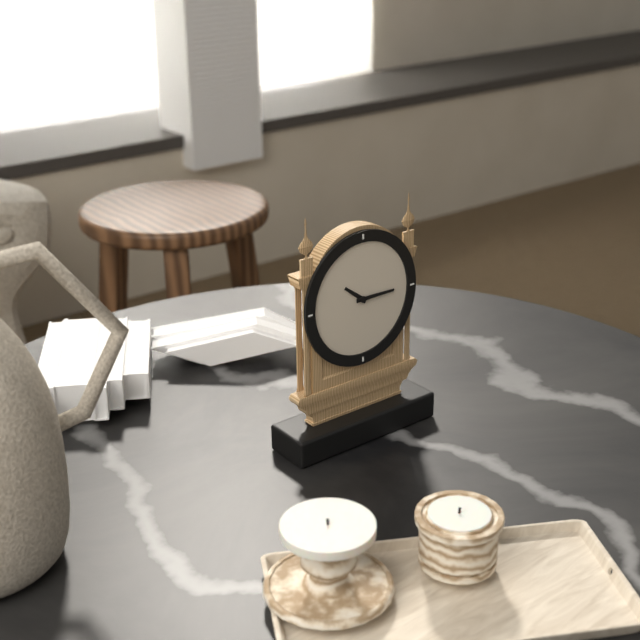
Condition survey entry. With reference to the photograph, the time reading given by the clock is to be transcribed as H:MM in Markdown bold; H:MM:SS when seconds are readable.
**10:15**
